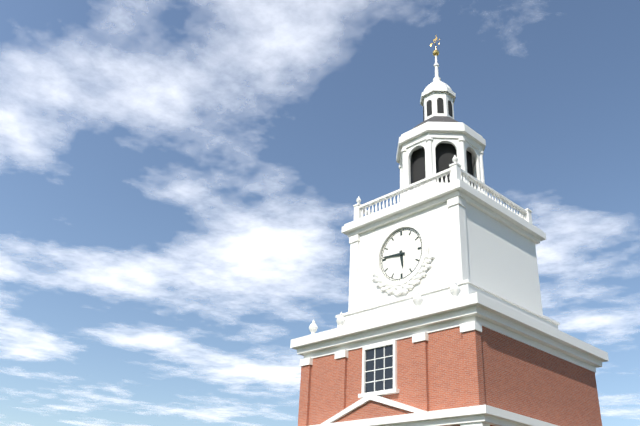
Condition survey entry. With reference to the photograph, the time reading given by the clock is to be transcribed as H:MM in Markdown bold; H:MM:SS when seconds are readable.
**5:46**
